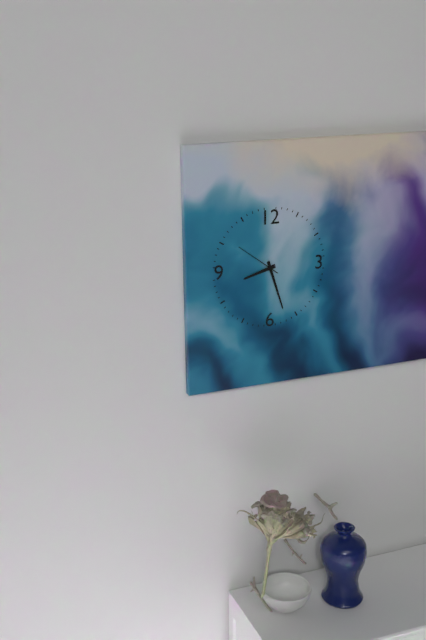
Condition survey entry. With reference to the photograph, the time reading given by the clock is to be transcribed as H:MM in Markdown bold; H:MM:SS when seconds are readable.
**8:27**
